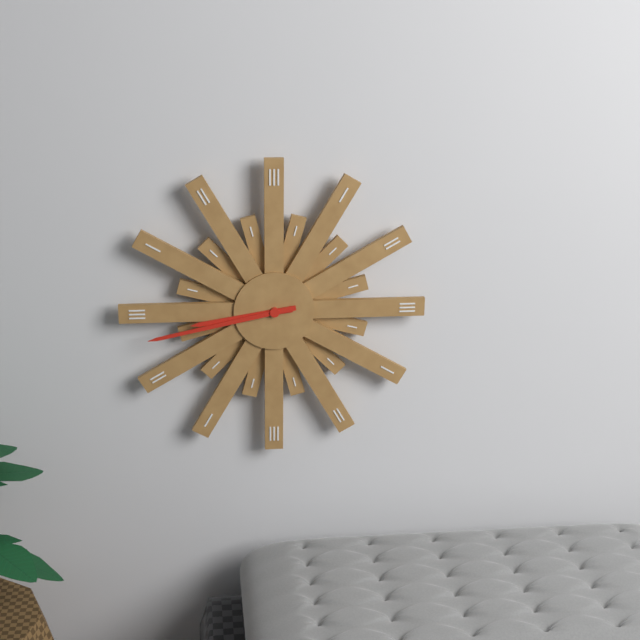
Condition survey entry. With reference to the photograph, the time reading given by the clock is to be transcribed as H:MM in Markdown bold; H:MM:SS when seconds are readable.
**8:43**
